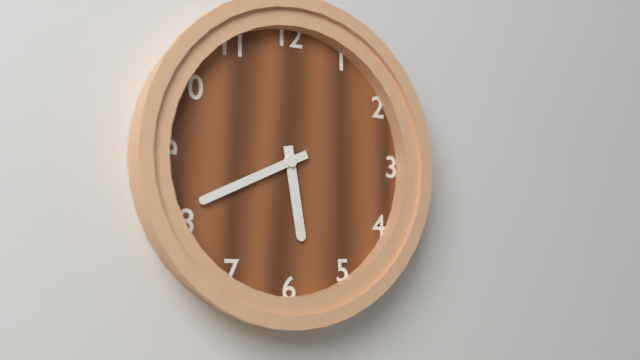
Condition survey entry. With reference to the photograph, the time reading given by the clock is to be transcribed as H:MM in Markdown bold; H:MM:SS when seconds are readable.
**5:41**
